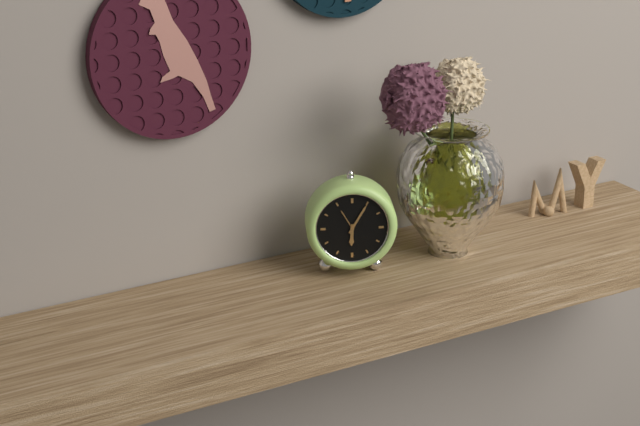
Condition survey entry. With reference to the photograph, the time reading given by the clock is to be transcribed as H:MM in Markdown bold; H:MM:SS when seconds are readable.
**6:05**
